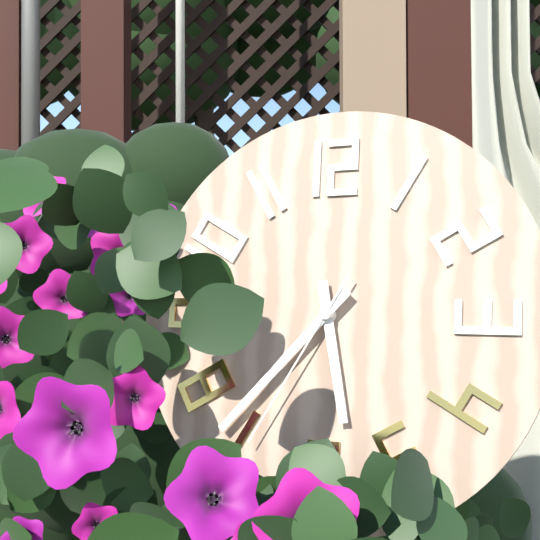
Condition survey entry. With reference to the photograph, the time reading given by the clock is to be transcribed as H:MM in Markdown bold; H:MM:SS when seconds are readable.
**5:37:35**
